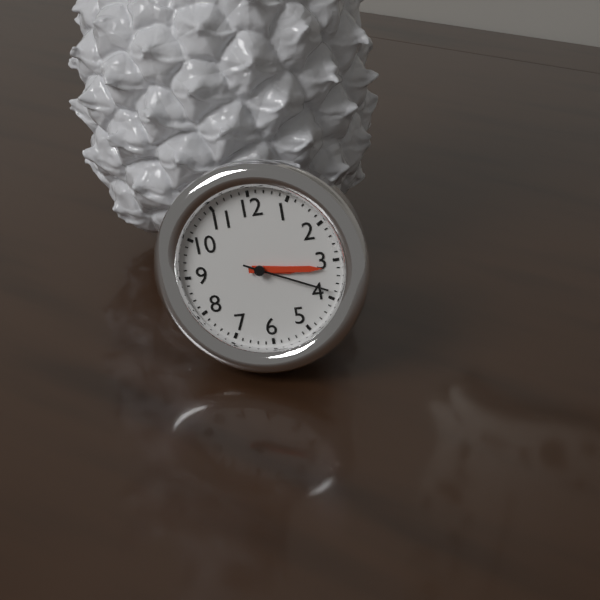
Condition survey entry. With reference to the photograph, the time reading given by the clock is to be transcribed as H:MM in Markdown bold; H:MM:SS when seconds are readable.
**3:16:19**
